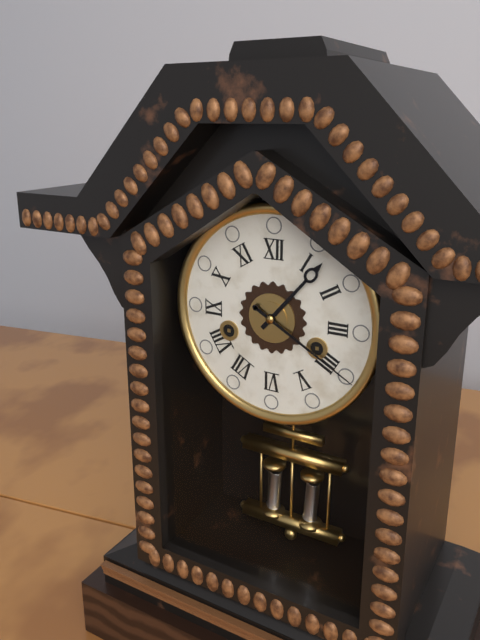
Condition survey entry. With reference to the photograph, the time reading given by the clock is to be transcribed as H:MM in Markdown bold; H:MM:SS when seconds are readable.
**1:20**
